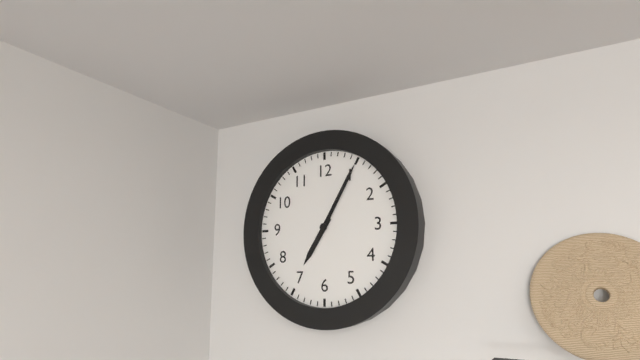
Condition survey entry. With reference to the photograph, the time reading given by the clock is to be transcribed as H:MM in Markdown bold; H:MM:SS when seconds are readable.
**7:05**
